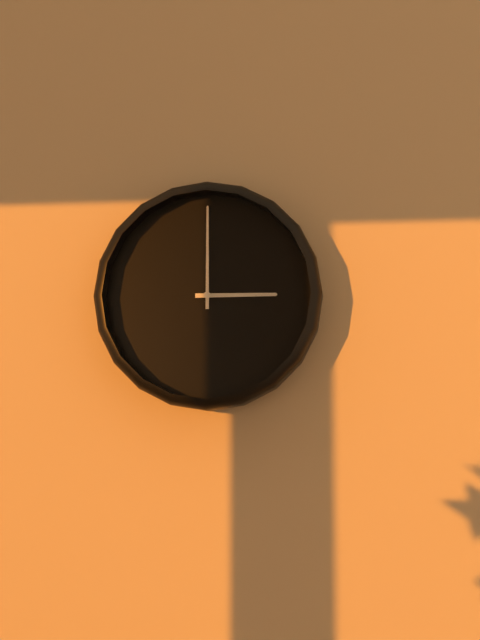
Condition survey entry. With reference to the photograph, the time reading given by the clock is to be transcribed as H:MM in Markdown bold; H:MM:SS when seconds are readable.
**3:00**
